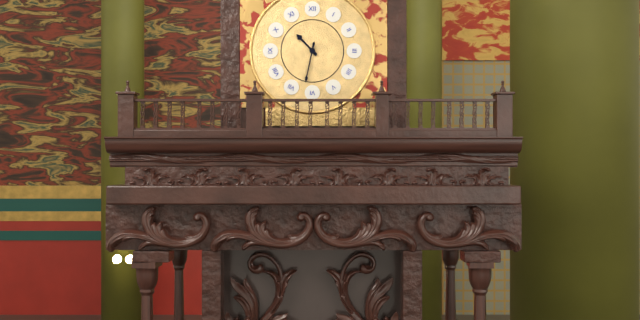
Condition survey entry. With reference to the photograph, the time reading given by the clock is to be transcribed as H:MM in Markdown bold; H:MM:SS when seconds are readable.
**10:32**
